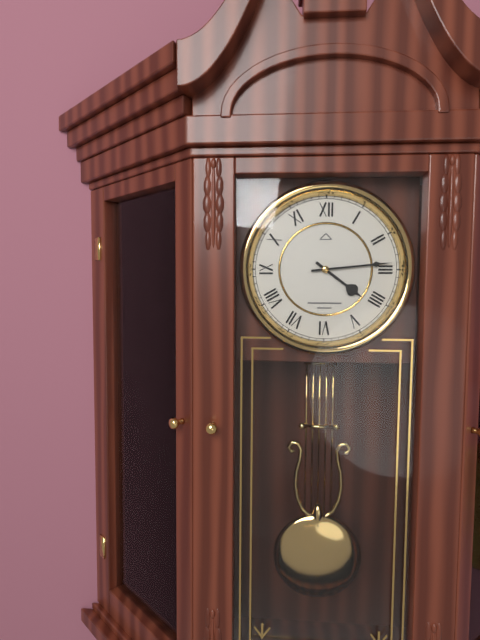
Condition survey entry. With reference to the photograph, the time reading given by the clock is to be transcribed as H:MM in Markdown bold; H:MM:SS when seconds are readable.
**4:14**
